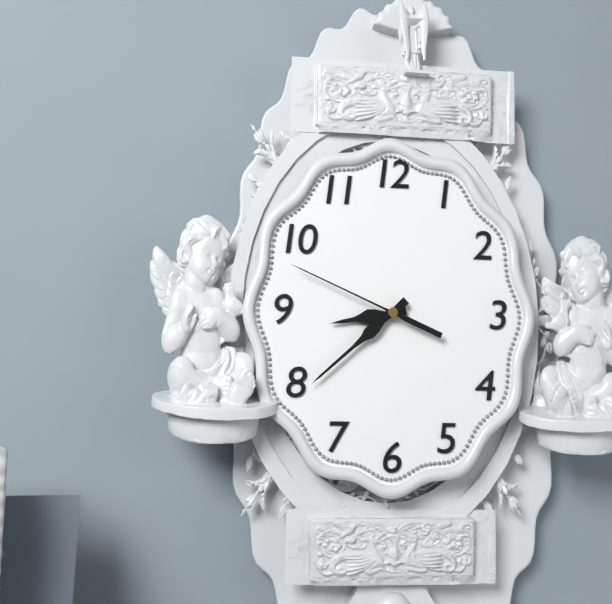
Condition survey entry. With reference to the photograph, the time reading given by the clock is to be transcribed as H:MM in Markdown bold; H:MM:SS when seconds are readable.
**8:38:49**
